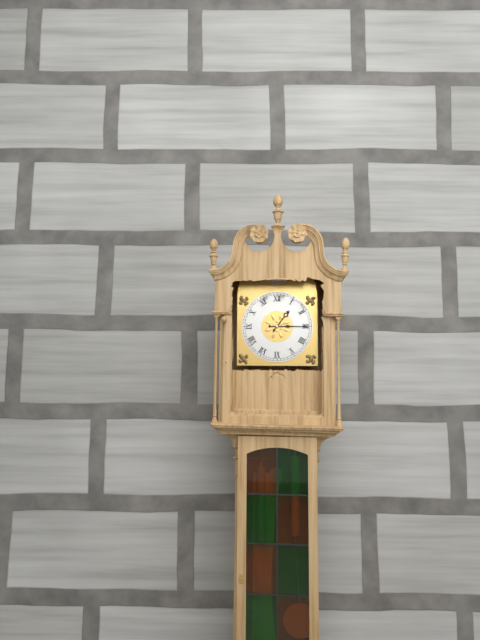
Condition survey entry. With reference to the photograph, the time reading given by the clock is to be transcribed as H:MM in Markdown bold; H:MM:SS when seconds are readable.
**1:15**
